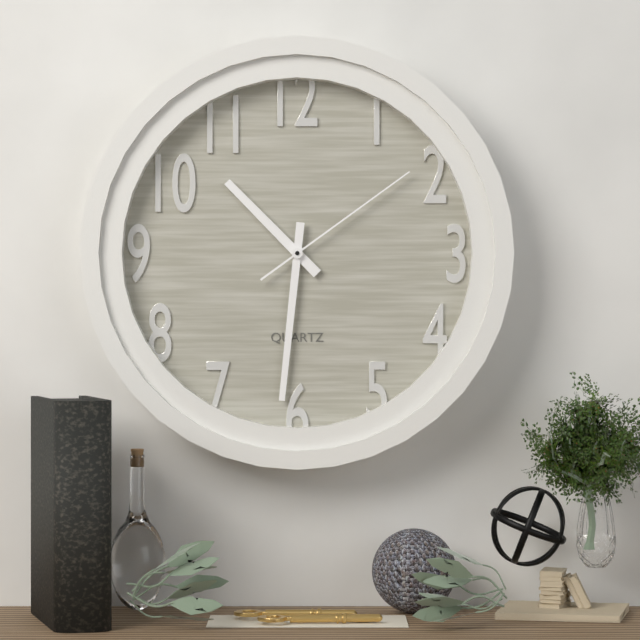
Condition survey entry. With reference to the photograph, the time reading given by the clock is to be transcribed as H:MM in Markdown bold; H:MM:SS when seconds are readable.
**10:31:09**
